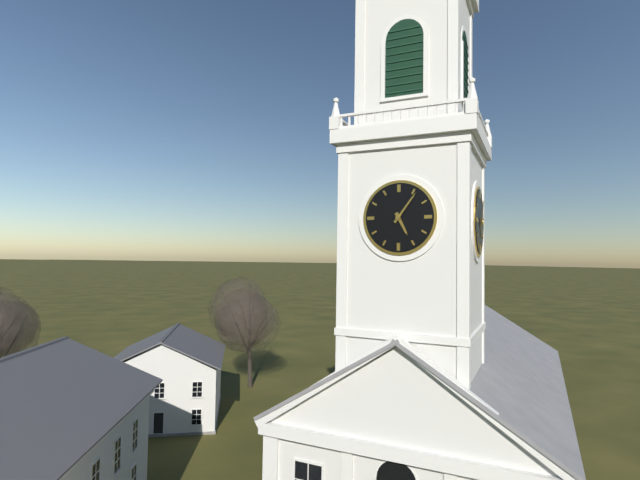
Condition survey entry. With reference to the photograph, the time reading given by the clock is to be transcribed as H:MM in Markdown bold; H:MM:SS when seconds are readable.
**5:06**
